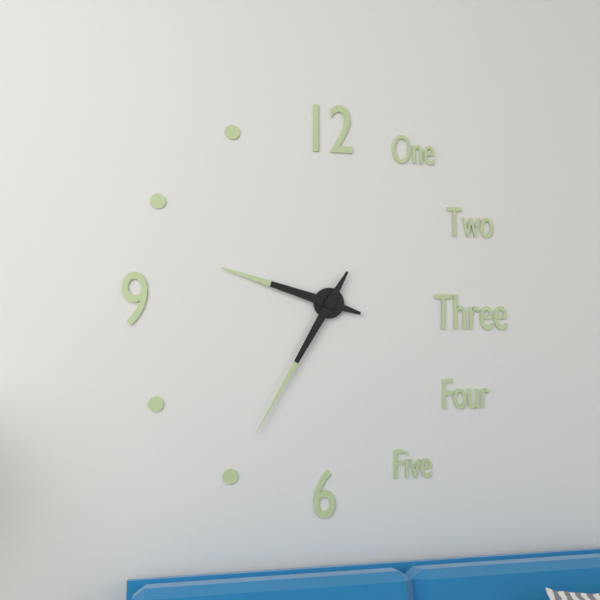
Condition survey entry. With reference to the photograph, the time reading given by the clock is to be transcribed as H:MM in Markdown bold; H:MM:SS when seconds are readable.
**9:35**
